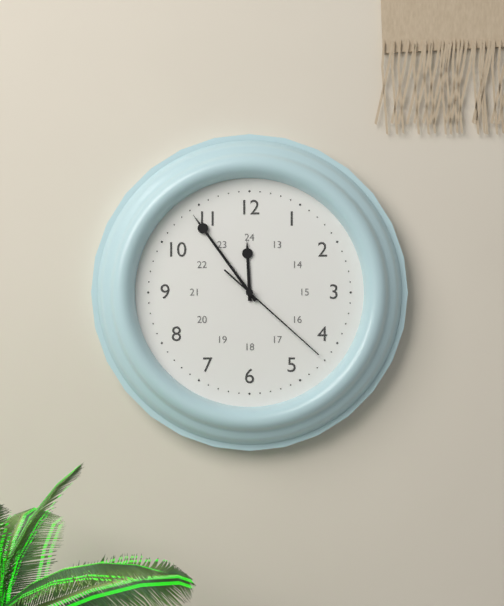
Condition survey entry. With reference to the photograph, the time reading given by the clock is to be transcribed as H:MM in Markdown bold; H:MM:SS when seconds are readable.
**11:54:22**
